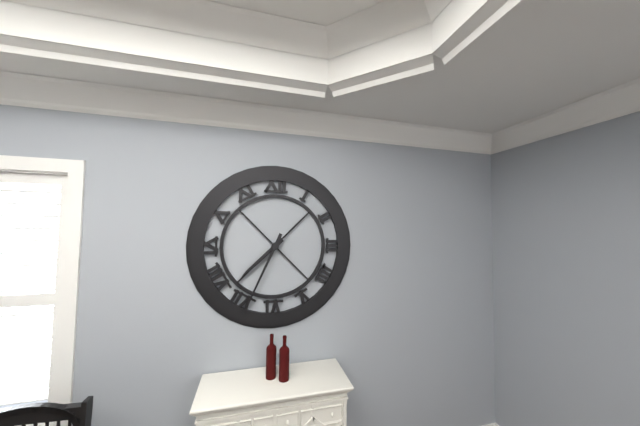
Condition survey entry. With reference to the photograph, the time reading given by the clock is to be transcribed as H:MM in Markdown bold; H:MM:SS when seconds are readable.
**7:34**
